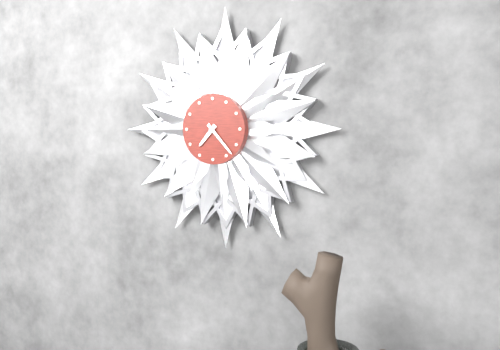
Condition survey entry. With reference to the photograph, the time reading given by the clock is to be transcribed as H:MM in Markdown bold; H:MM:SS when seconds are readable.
**7:23**
